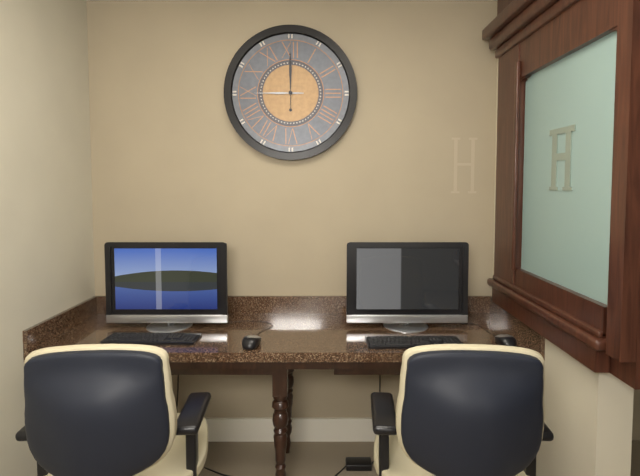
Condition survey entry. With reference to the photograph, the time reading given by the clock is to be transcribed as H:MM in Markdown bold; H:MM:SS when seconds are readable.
**9:00**
